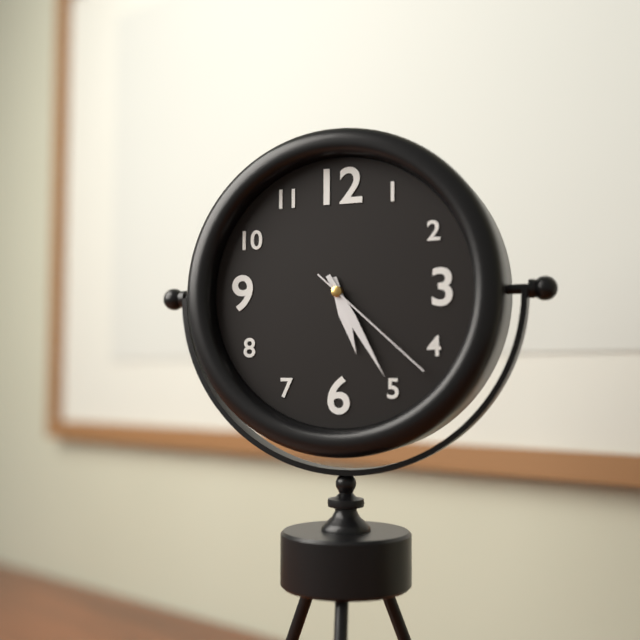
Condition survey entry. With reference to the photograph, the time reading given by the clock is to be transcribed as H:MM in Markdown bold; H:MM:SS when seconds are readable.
**5:25:22**
